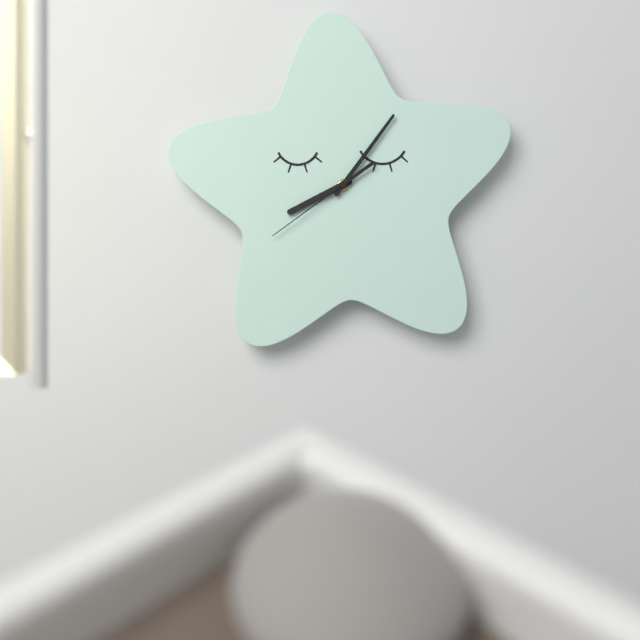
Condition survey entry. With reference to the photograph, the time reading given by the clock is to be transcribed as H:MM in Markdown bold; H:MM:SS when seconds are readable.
**8:06:39**
